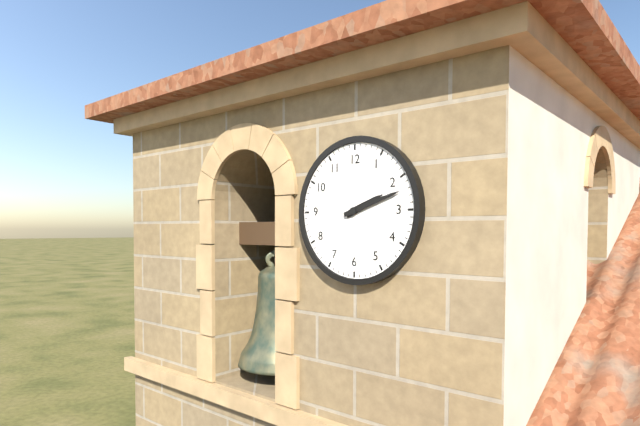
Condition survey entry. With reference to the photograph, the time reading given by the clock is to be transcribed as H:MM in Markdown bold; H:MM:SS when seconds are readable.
**2:12**
